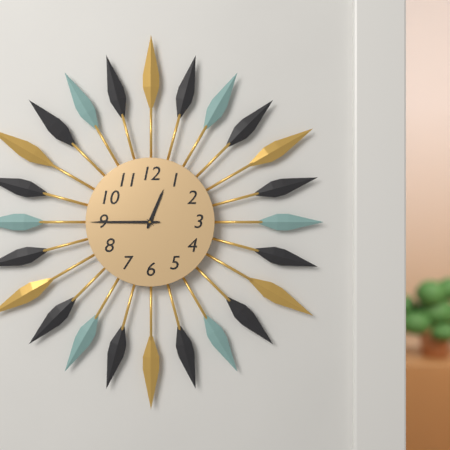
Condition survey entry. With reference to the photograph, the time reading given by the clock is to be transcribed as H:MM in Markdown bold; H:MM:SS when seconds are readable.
**12:45**
